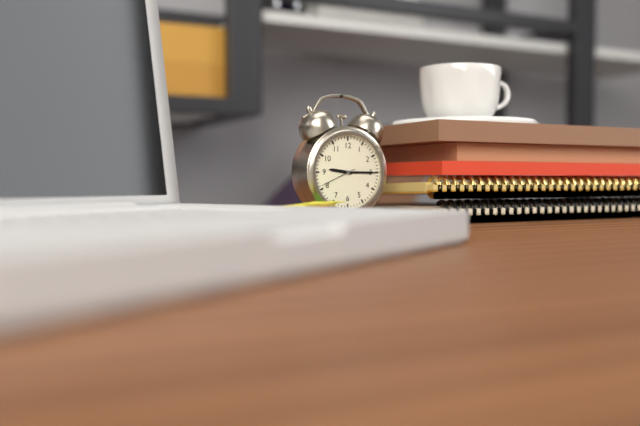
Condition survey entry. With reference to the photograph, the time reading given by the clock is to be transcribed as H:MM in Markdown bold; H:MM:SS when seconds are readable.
**9:15**
